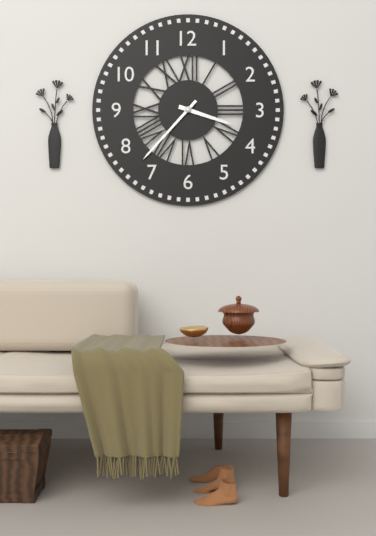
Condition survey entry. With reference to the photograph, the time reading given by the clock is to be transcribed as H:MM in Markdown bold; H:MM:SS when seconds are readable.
**3:37**
